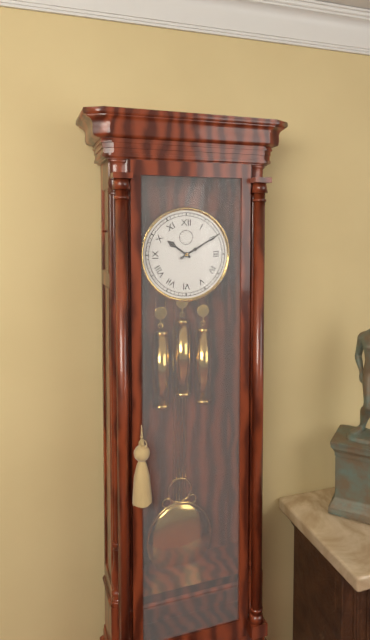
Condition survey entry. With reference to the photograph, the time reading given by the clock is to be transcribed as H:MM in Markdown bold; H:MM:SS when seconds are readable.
**10:10**
